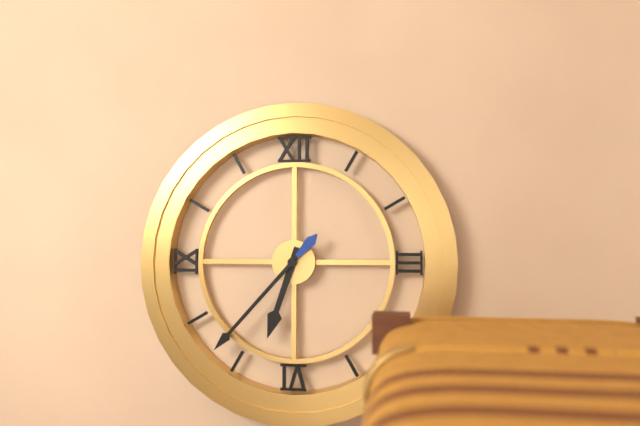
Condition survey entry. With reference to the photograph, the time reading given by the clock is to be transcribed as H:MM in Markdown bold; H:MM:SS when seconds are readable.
**6:37**
